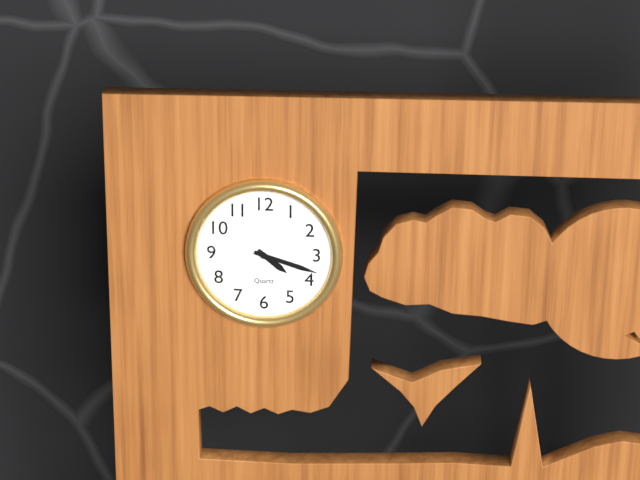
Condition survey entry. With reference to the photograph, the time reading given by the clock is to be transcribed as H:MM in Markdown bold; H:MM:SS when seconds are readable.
**4:18**
